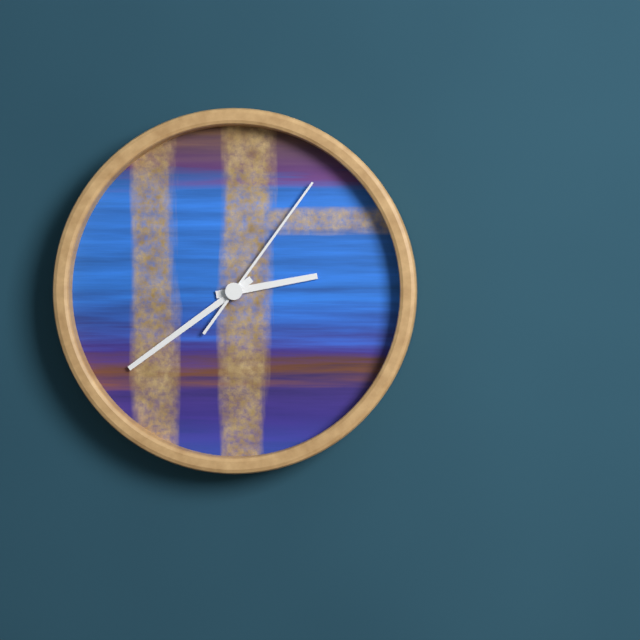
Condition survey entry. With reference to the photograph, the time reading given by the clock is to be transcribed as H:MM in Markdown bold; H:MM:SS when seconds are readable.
**2:39:06**
